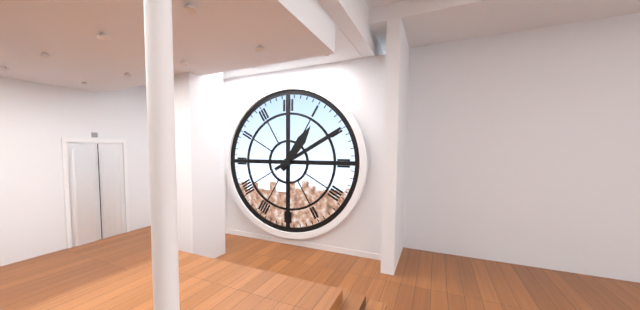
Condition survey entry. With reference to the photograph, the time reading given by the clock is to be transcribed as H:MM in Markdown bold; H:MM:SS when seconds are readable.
**1:10**
